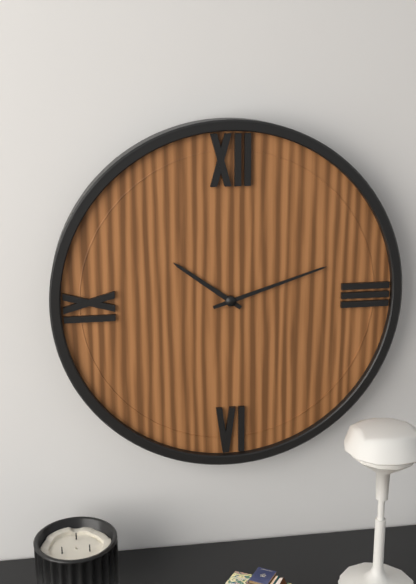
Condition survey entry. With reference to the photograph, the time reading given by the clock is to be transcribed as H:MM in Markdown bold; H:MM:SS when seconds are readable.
**10:12**
